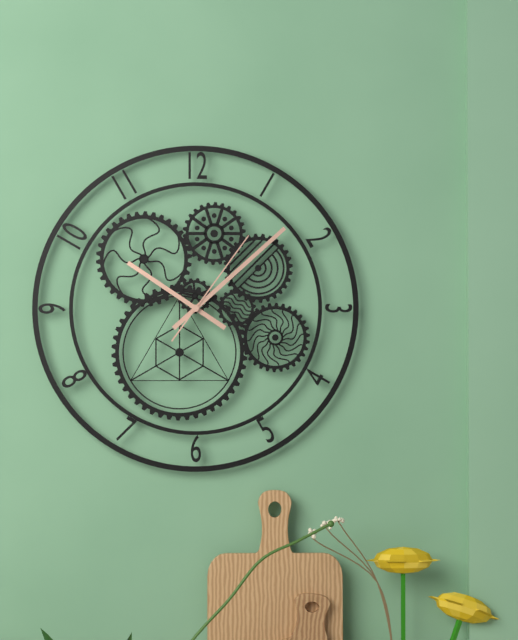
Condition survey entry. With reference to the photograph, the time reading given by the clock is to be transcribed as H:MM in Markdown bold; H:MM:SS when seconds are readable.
**10:08:06**
